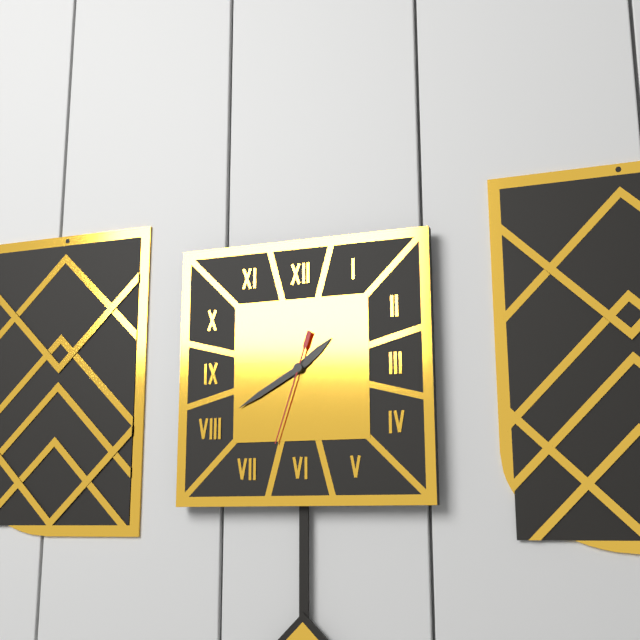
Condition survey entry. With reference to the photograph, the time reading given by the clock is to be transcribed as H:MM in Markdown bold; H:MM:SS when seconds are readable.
**1:40:33**
